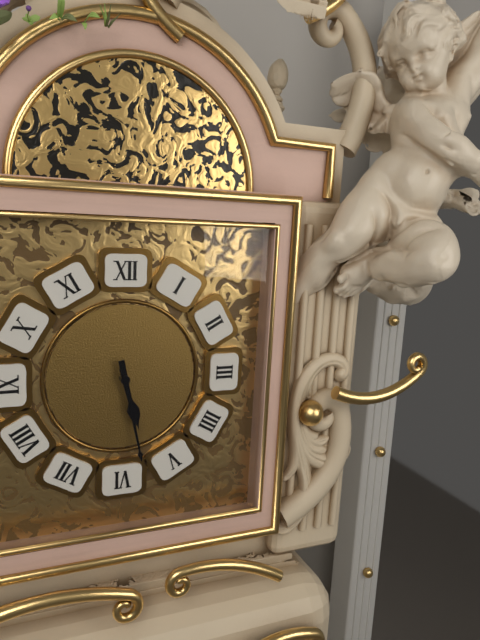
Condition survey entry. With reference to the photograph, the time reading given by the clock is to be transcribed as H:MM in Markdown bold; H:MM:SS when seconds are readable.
**5:28**
